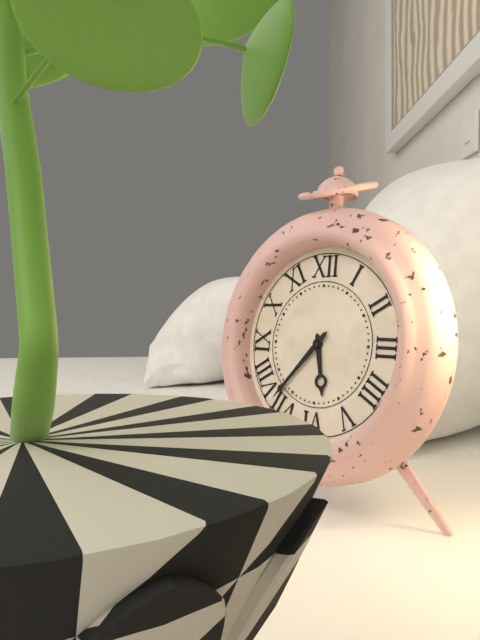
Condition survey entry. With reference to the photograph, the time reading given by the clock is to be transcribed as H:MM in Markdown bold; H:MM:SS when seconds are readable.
**5:37**
